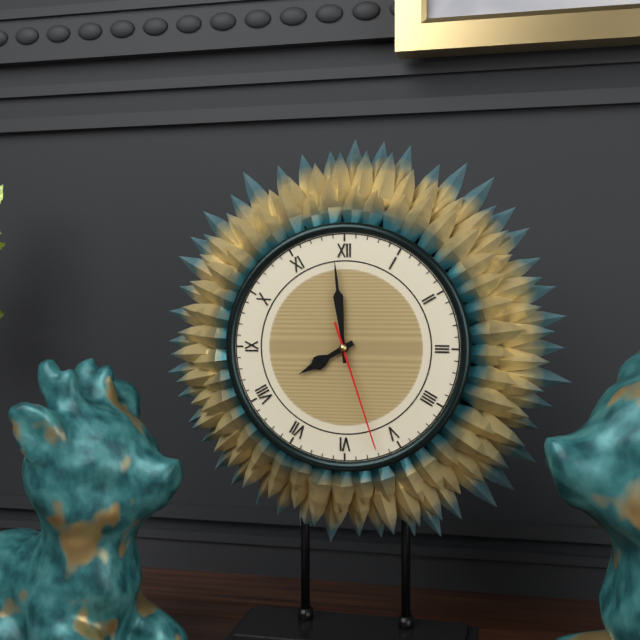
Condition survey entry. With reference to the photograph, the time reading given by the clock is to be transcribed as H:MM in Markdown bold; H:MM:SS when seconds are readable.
**7:59:27**
